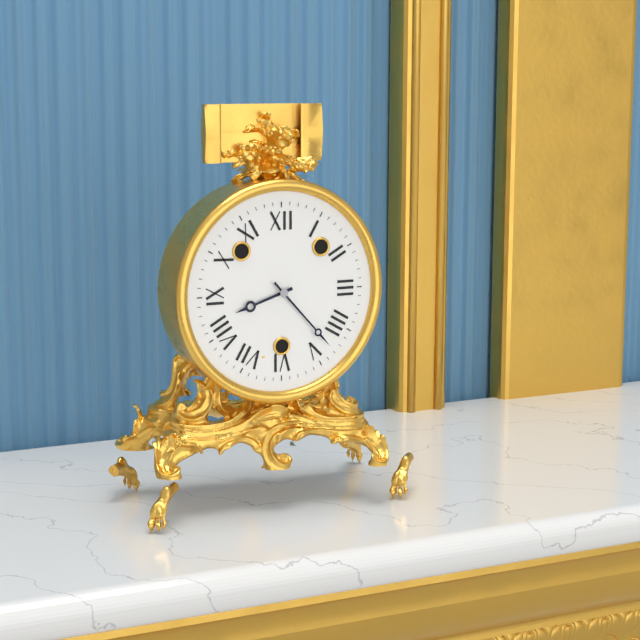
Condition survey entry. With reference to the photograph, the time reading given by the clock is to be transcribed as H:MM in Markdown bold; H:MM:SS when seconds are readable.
**8:23**
